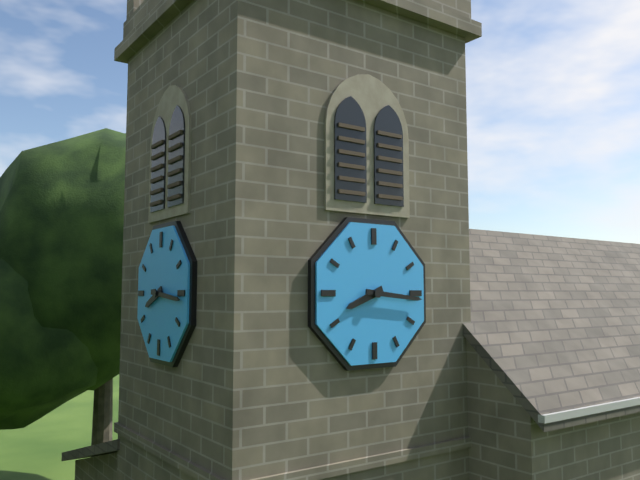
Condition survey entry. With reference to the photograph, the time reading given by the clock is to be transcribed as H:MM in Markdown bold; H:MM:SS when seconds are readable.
**8:16**
